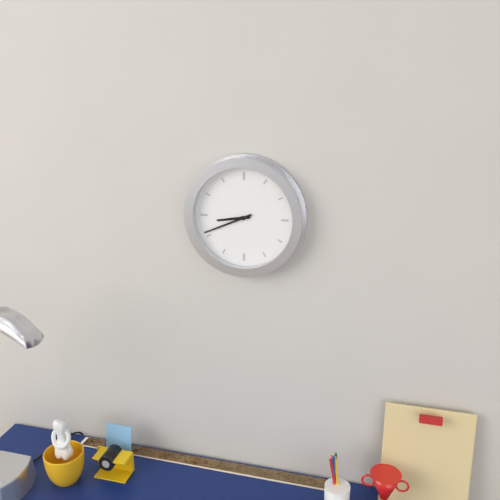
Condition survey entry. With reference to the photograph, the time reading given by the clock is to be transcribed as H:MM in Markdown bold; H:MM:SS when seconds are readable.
**8:41**
